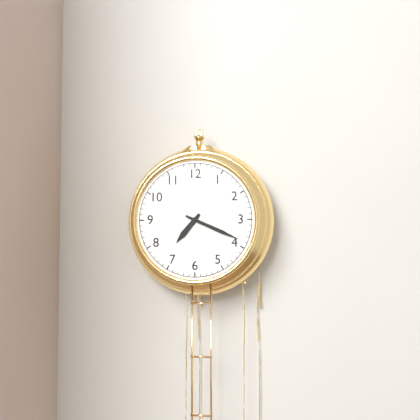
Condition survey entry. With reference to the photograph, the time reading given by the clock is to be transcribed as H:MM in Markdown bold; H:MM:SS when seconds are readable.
**7:19**
